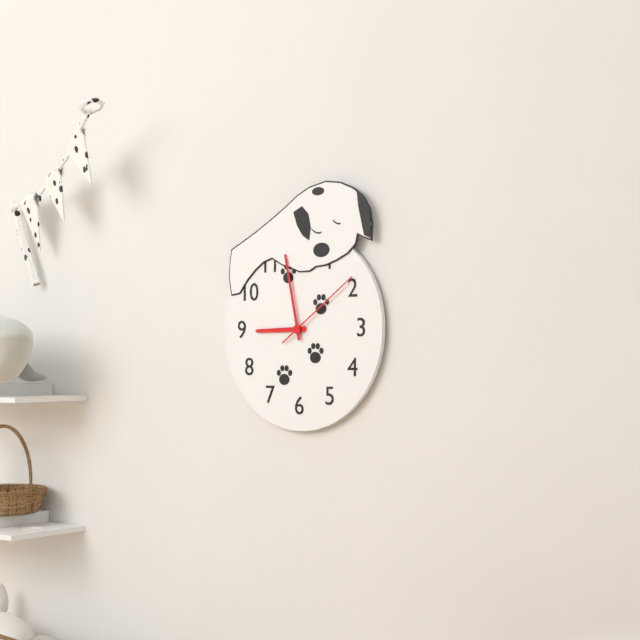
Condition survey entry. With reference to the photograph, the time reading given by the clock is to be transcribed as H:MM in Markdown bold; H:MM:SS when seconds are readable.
**8:58:09**
